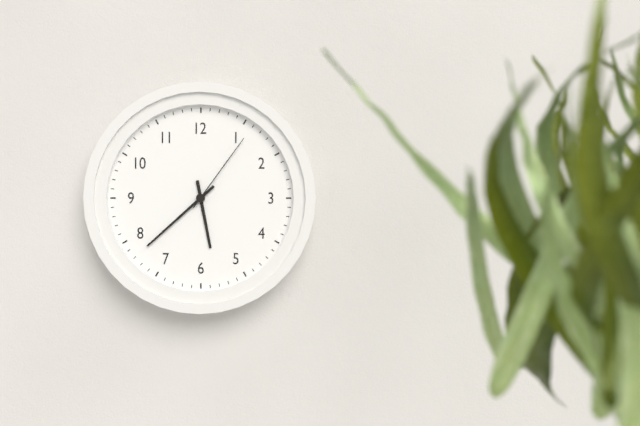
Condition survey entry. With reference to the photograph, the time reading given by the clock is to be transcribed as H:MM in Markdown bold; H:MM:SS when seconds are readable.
**5:38:06**
